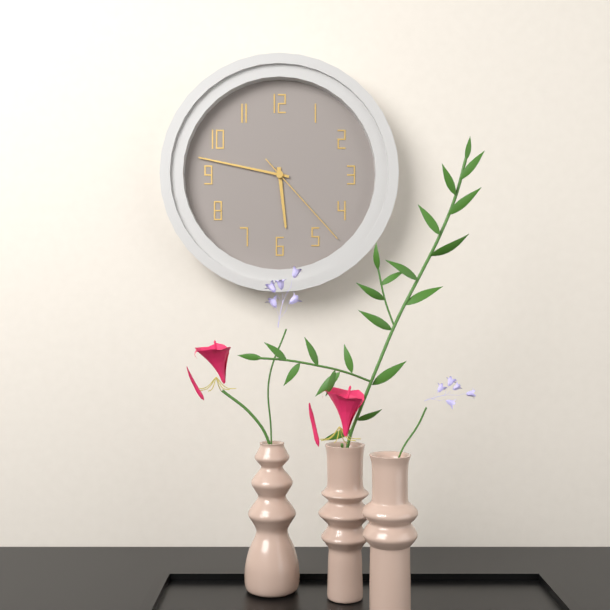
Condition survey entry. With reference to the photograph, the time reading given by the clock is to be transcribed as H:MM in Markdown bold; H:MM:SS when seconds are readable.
**5:47:23**
